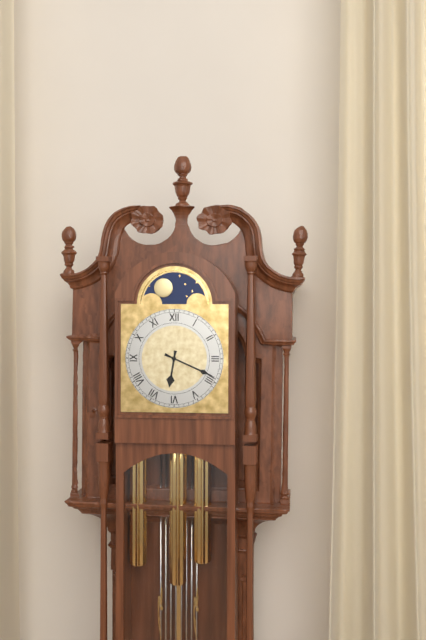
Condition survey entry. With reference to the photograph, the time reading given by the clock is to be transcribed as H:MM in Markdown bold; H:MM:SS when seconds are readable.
**6:19**
